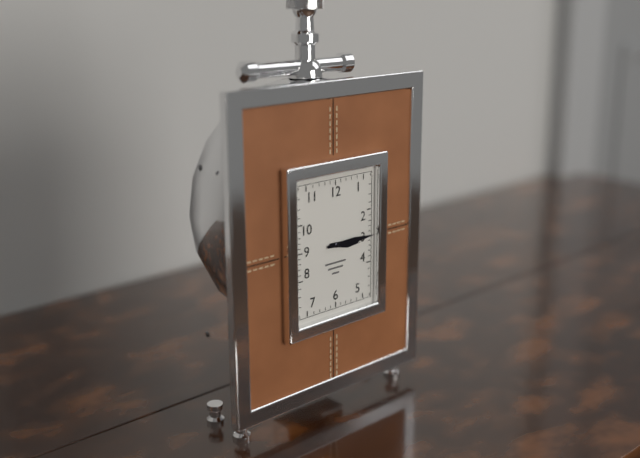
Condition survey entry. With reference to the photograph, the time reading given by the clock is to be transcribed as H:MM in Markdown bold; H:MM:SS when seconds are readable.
**3:15**
